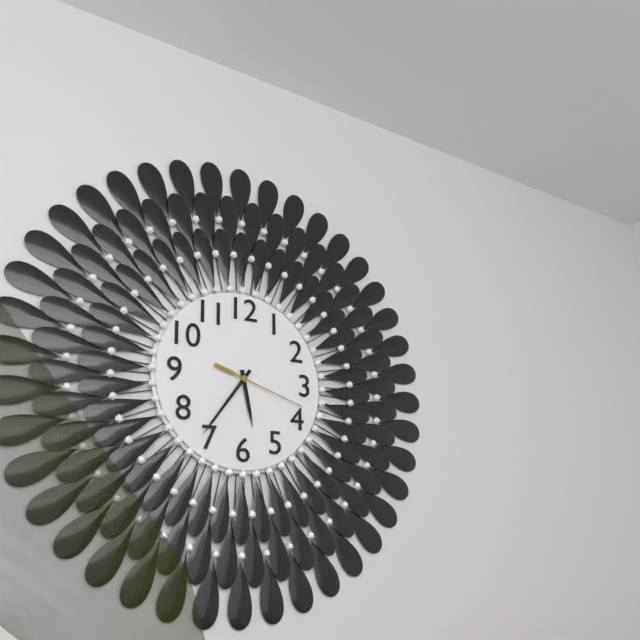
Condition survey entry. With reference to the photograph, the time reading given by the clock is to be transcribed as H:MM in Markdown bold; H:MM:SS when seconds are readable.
**5:36:18**
